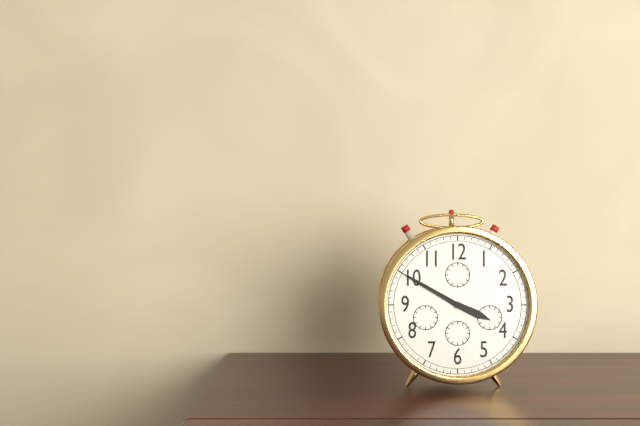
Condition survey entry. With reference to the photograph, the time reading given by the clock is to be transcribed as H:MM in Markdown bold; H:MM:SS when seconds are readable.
**3:50**
